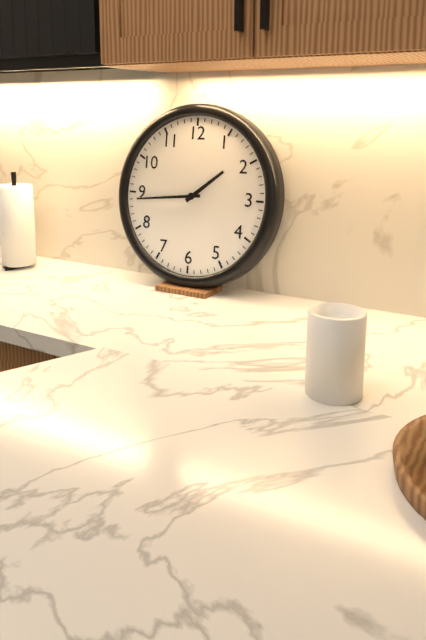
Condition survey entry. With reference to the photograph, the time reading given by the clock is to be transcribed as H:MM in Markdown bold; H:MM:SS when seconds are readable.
**1:44**
